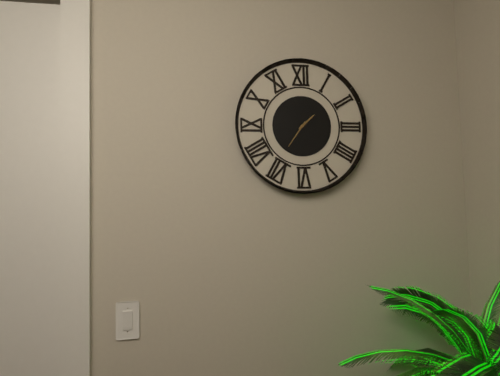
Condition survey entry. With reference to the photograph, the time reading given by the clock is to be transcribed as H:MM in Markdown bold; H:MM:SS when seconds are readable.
**1:36**
